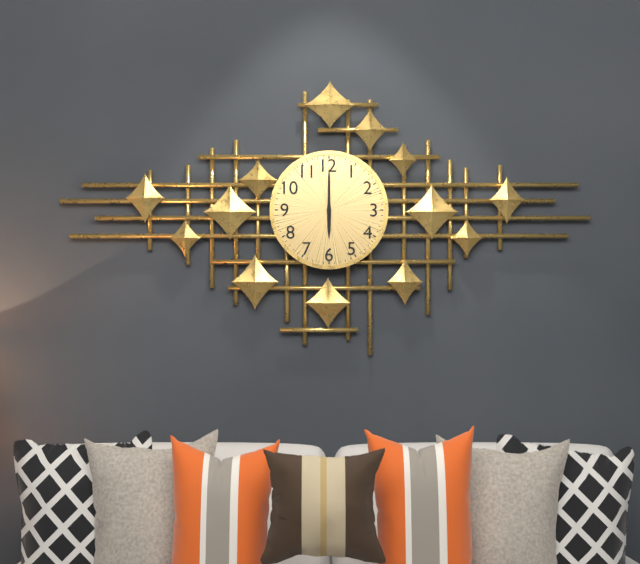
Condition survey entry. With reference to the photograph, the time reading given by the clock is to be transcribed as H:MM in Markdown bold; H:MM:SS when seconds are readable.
**6:00**
